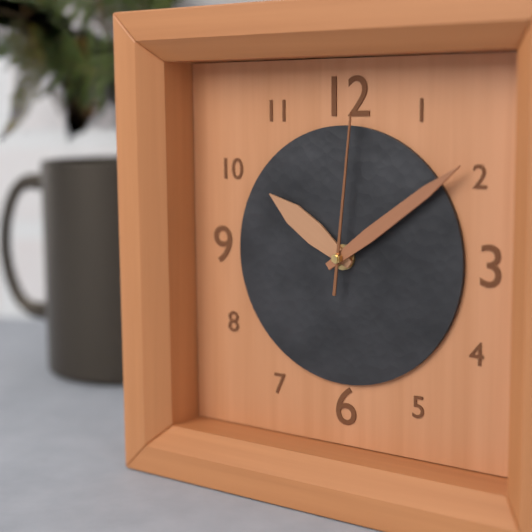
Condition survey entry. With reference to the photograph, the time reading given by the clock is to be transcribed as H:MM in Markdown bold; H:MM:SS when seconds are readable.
**10:09:01**
